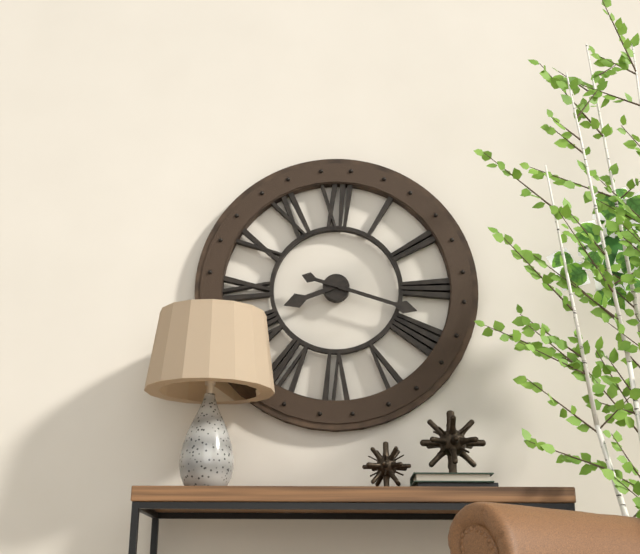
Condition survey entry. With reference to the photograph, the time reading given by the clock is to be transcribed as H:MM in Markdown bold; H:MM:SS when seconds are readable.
**8:18**
